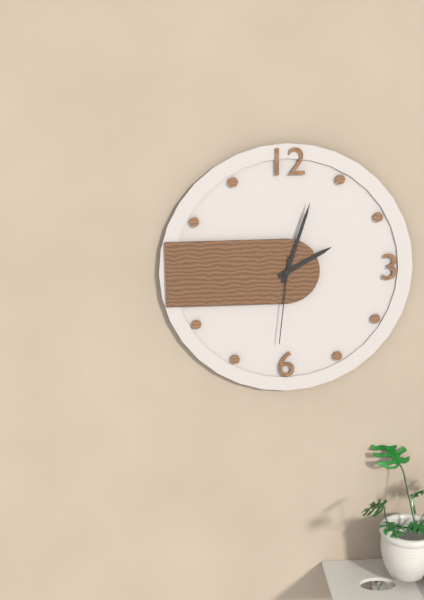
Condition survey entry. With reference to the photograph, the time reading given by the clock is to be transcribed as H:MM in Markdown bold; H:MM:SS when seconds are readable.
**2:03:31**
